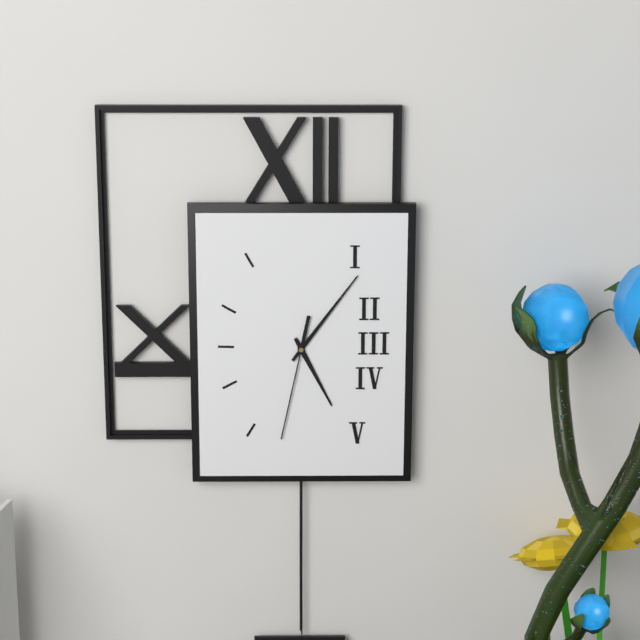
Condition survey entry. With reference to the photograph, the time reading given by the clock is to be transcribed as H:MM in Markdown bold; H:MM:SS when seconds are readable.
**5:06:32**
